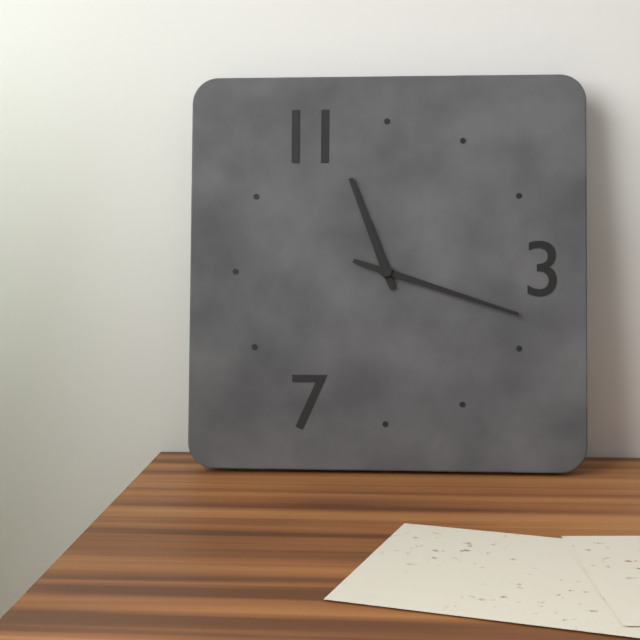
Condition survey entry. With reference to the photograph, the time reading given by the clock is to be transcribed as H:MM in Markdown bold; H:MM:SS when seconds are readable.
**11:18**
